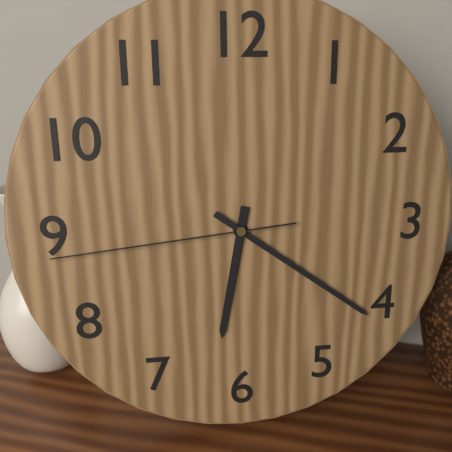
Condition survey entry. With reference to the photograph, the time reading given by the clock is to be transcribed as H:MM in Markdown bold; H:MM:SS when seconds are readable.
**6:21:44**
